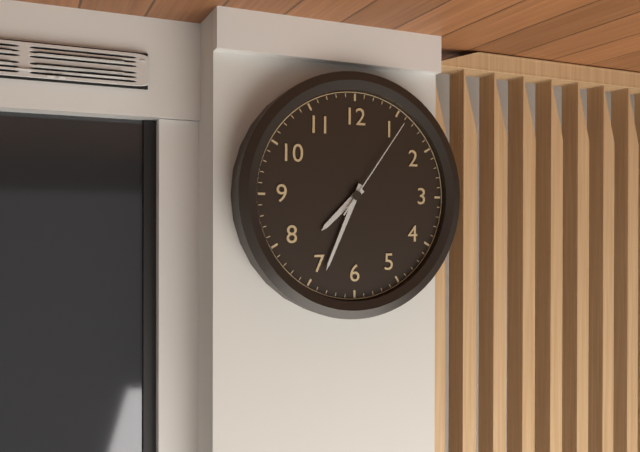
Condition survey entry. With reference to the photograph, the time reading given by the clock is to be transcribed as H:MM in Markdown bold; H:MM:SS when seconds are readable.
**7:34:06**
